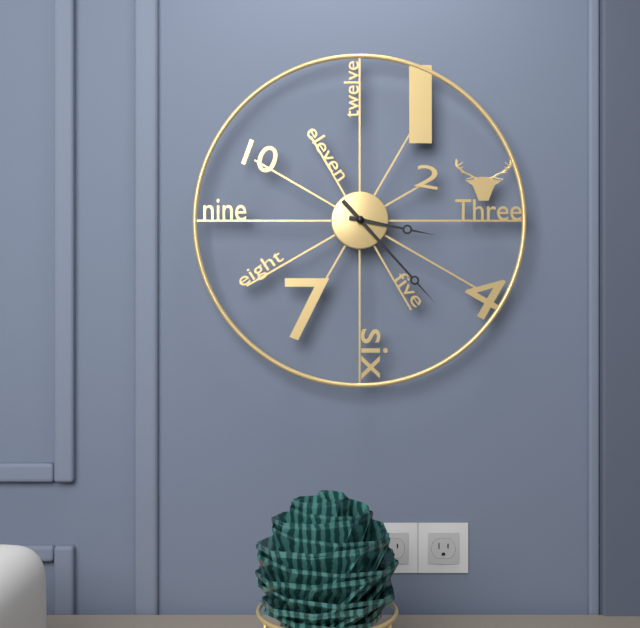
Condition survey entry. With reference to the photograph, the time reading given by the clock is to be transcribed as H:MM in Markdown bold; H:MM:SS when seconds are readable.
**3:23**
